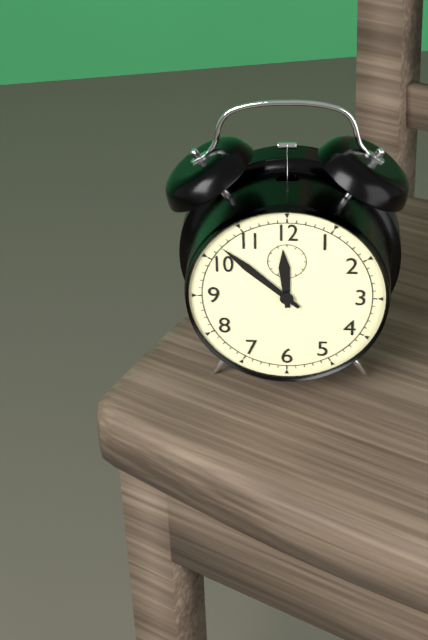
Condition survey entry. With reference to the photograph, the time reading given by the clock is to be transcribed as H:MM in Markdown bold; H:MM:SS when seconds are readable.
**11:52**
